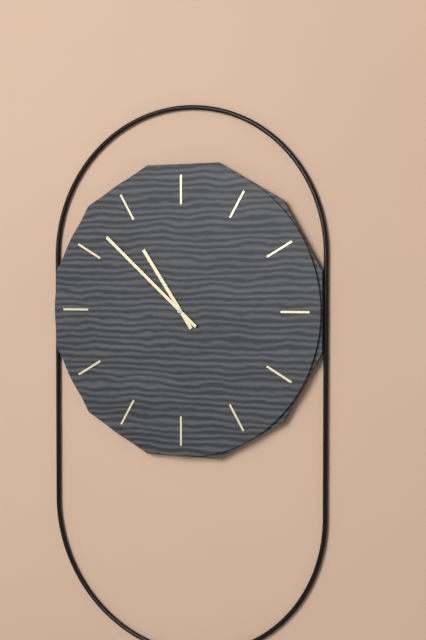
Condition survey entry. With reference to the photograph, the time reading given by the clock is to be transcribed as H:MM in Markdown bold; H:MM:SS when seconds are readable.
**10:52**
